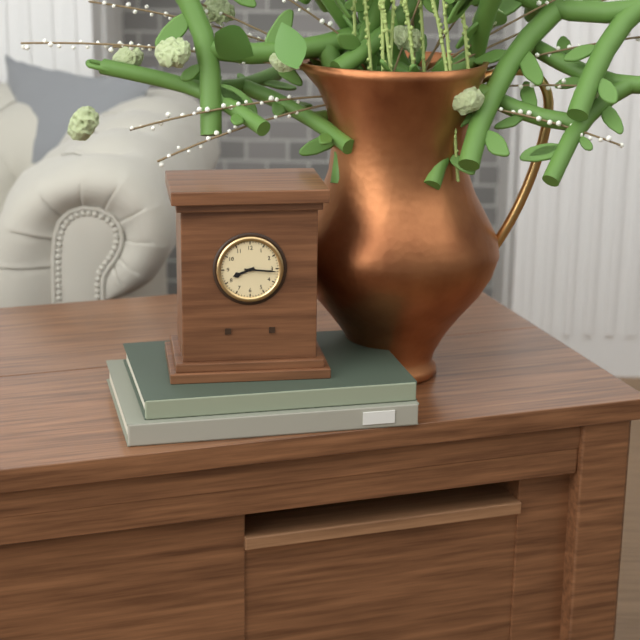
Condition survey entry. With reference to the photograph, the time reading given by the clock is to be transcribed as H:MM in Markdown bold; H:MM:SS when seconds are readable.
**8:16**
